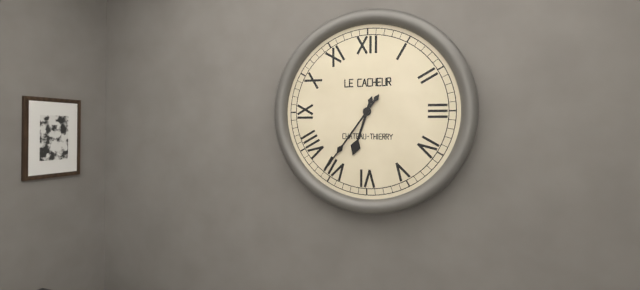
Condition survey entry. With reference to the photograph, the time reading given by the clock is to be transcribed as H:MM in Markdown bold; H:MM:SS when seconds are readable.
**6:36**
